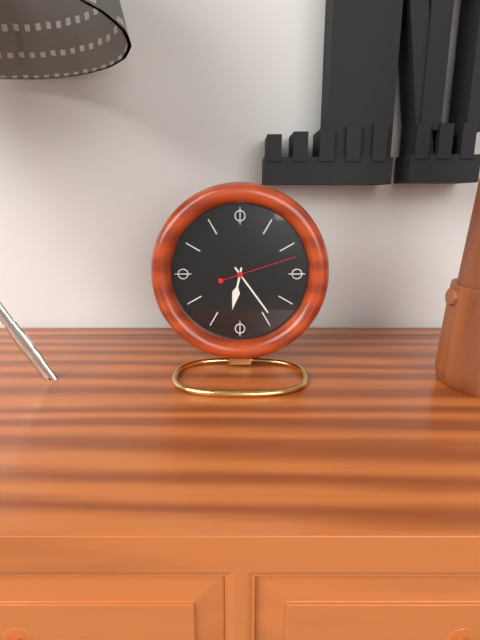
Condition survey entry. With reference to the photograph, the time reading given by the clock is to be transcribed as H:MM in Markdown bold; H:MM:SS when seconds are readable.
**6:24:12**
